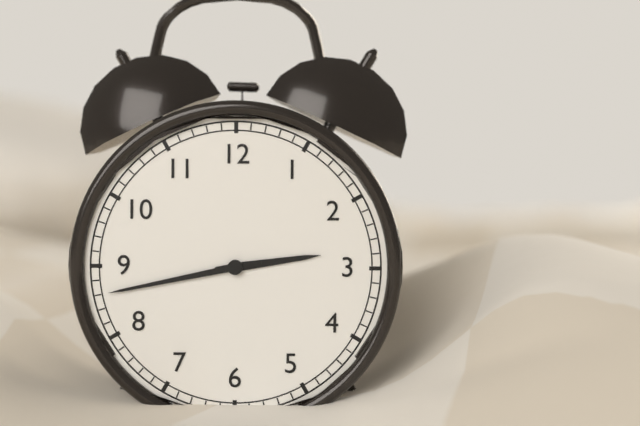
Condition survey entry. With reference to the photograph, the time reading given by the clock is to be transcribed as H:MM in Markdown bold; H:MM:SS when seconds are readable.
**2:43**
